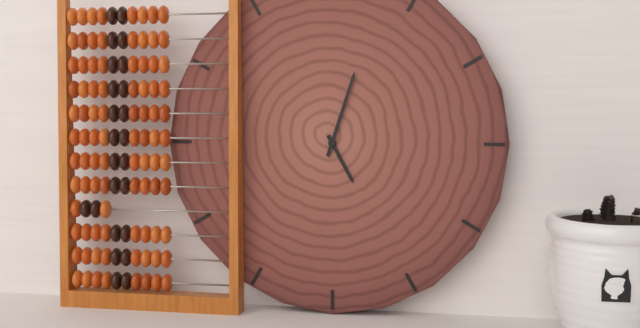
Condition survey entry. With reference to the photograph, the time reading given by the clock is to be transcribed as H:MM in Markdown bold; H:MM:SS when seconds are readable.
**5:03**
